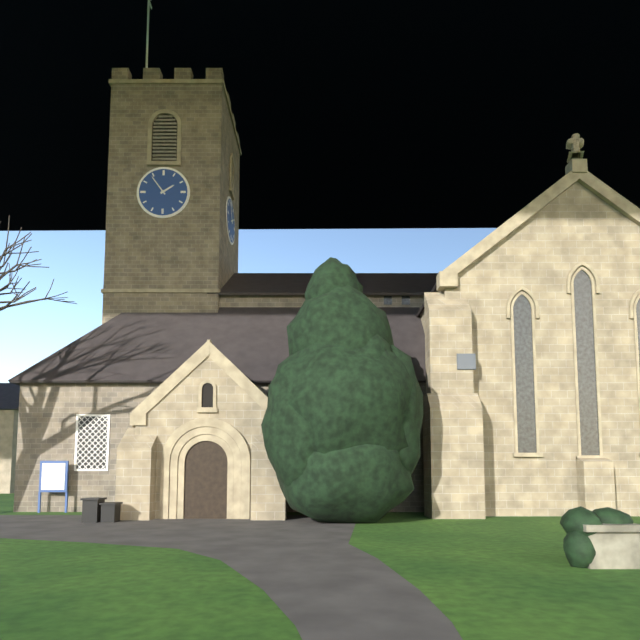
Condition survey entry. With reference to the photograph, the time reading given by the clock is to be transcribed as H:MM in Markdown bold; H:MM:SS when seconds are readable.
**1:54**
